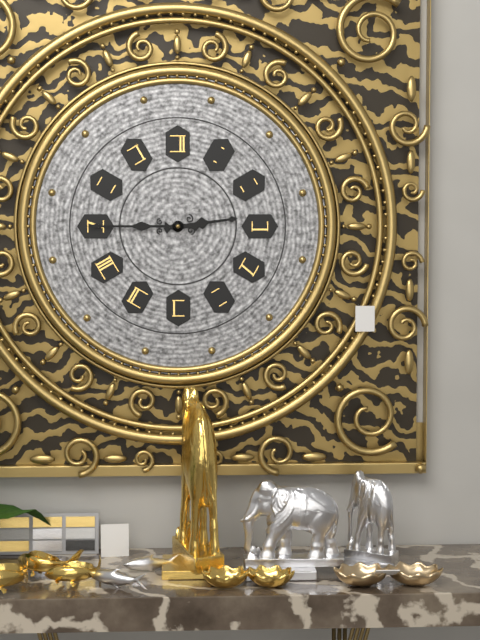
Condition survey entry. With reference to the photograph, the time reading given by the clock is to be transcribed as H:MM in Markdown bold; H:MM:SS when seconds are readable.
**2:45**
